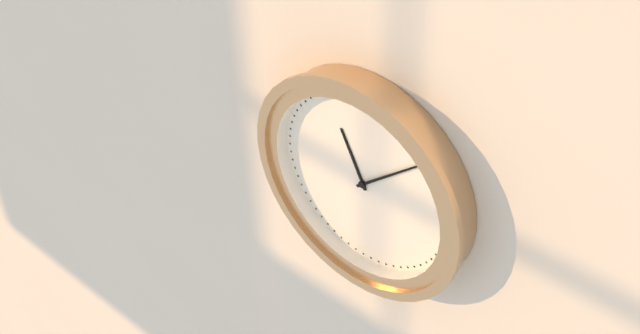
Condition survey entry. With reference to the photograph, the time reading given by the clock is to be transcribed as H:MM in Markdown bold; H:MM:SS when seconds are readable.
**11:08**
